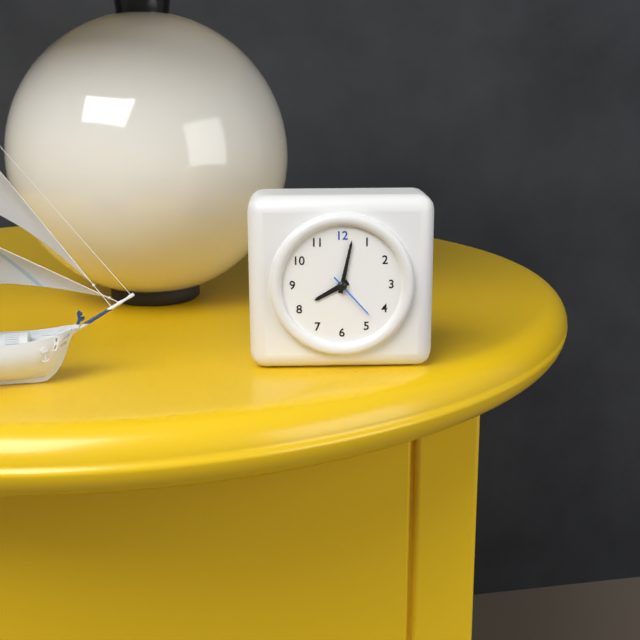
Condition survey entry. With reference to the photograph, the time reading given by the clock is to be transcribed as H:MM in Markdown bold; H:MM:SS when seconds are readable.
**8:02:23**
